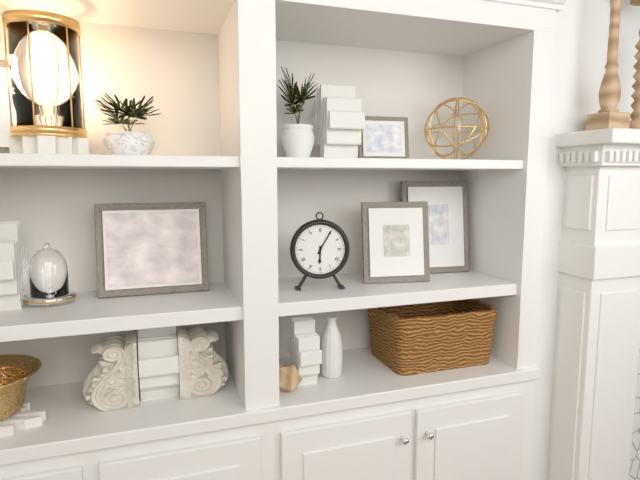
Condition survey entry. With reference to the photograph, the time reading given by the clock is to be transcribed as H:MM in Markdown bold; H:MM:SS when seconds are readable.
**6:05**
